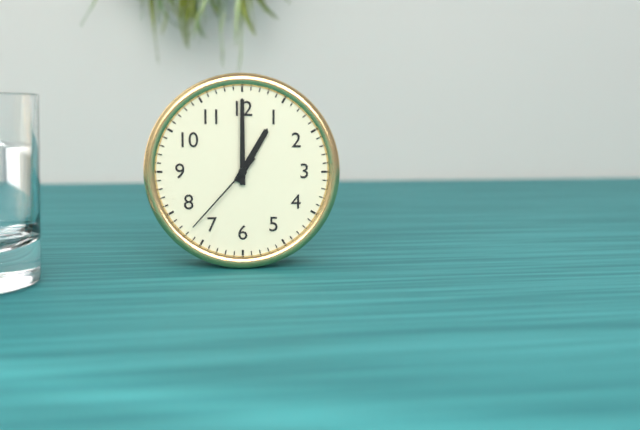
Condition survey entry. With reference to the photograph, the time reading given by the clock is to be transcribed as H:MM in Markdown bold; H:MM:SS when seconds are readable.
**1:00:37**
